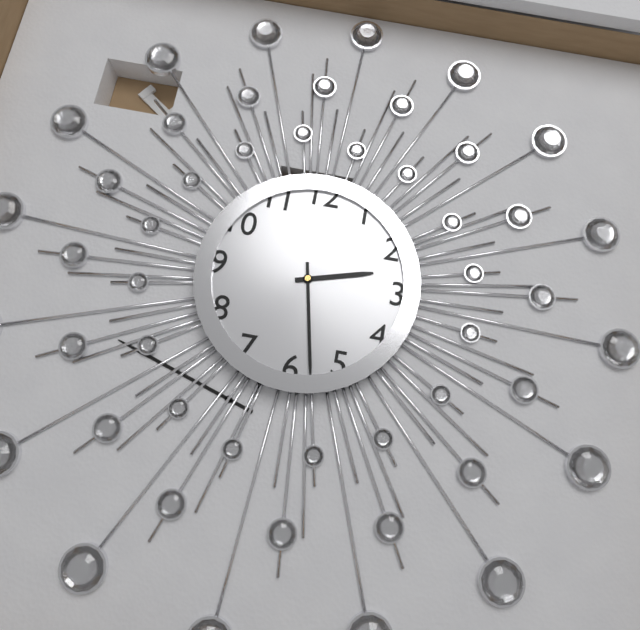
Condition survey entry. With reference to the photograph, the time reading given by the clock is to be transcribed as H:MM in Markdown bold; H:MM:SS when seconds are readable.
**2:28**
